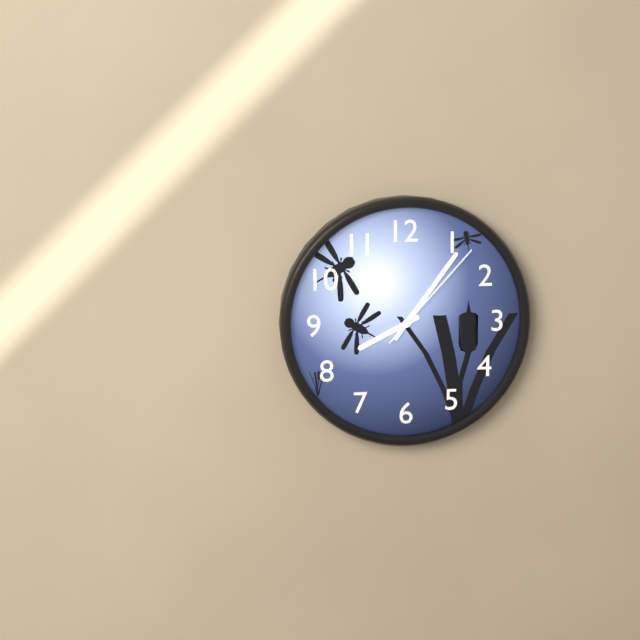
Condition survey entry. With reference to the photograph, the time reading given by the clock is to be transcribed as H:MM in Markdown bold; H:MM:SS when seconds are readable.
**8:06:07**
